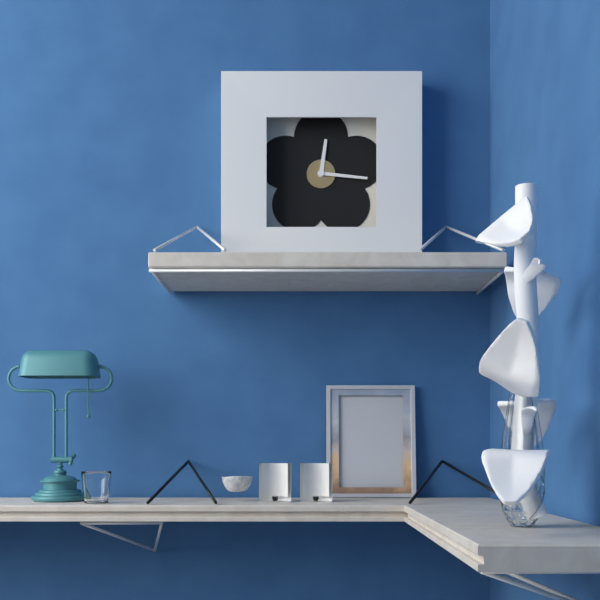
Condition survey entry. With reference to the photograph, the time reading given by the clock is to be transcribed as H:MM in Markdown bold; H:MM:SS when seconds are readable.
**12:16**
